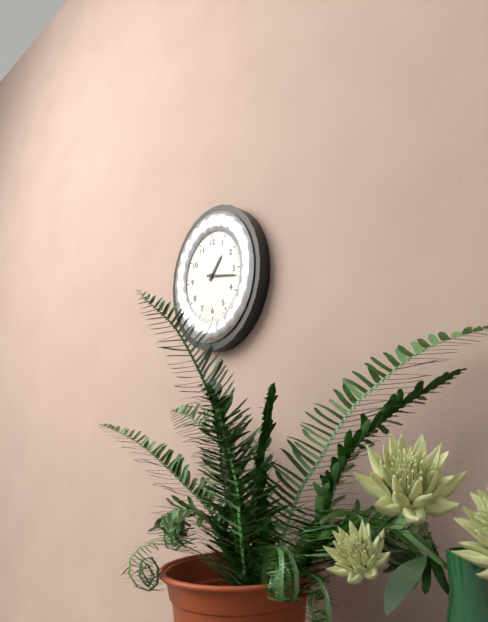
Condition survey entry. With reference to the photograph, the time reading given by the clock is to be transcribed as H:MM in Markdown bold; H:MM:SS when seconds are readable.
**1:17**
